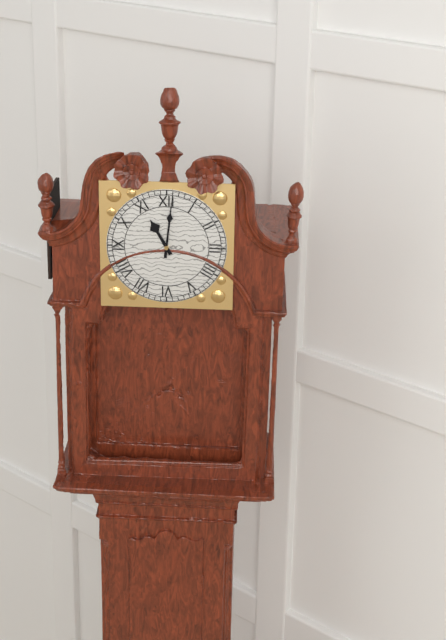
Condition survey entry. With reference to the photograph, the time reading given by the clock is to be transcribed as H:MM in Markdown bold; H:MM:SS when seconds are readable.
**11:01**
